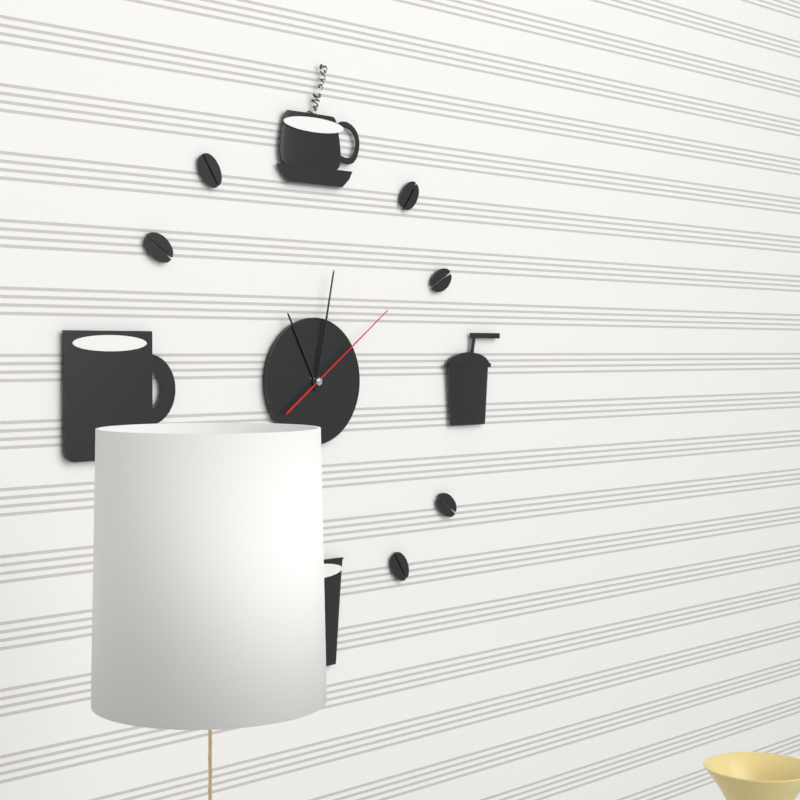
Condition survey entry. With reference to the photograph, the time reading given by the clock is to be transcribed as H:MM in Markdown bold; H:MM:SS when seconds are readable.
**11:02:09**
